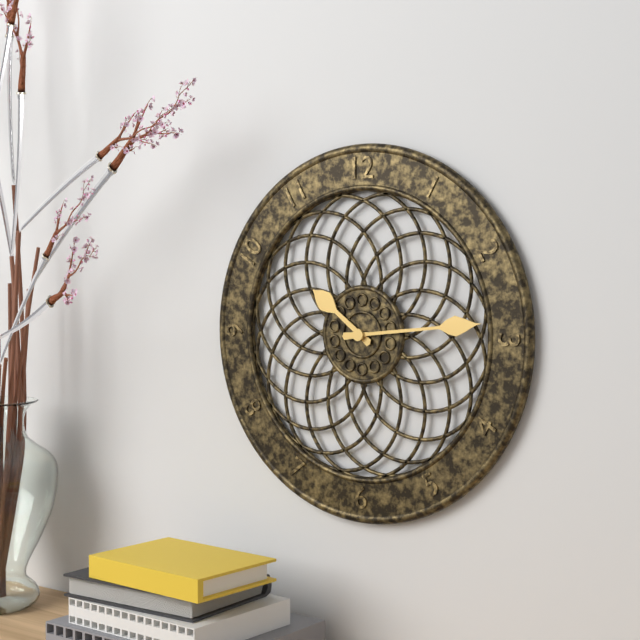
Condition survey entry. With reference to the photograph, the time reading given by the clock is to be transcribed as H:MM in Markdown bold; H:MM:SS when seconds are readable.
**10:14**
